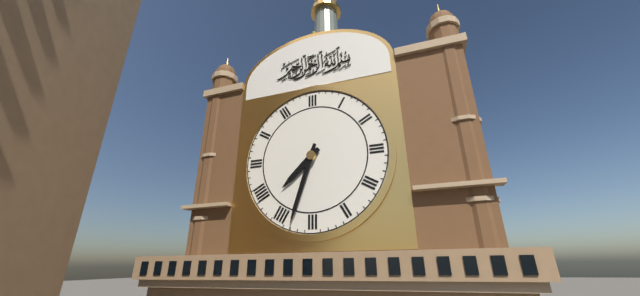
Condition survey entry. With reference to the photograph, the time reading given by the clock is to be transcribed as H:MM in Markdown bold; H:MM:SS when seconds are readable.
**7:33**
